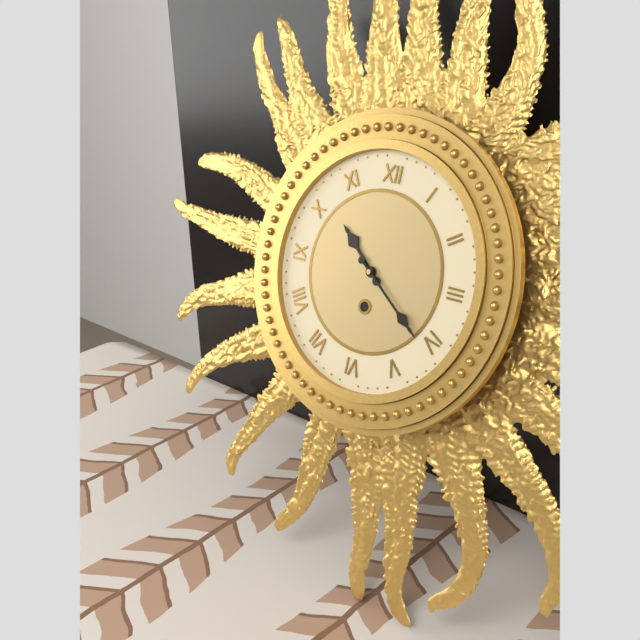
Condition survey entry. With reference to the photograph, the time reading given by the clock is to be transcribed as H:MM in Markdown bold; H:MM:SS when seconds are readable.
**10:21**
